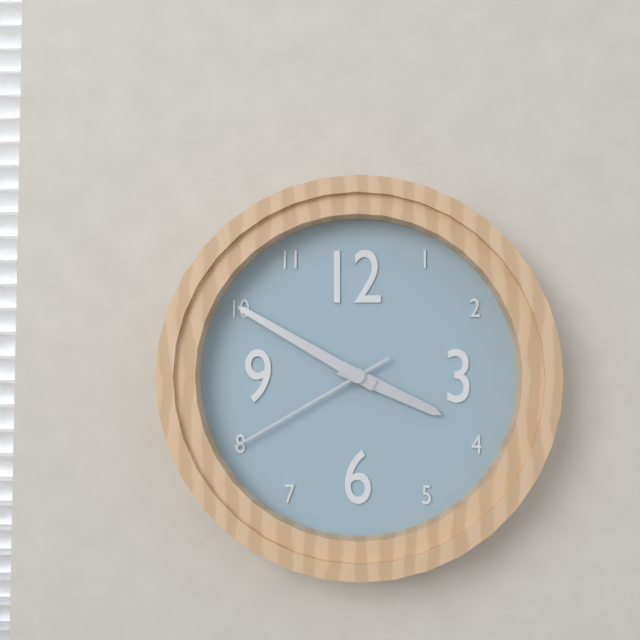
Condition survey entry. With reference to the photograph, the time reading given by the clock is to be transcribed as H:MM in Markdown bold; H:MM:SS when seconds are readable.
**3:50:40**
